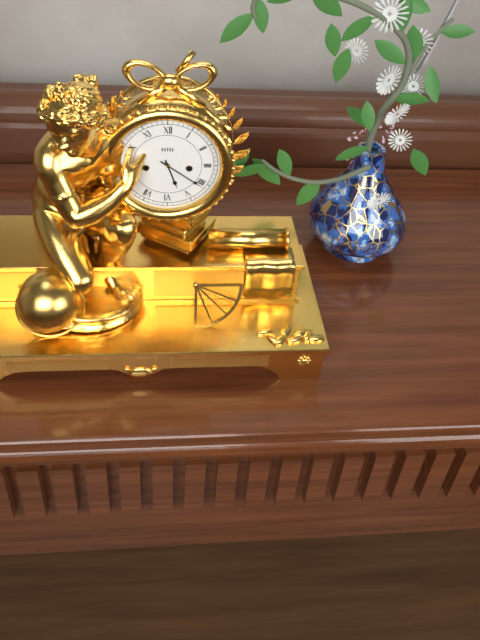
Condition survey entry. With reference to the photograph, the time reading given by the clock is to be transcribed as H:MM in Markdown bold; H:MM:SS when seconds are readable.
**5:21**
